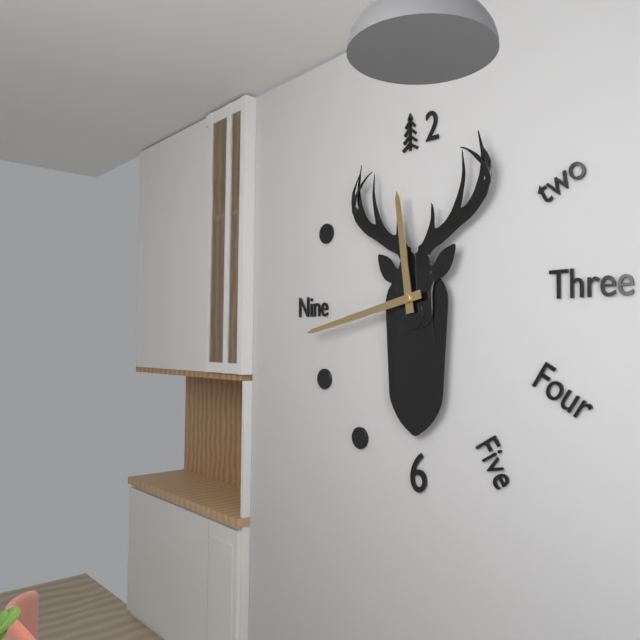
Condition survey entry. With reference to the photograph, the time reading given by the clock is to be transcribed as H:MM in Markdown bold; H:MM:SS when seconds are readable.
**11:43**
